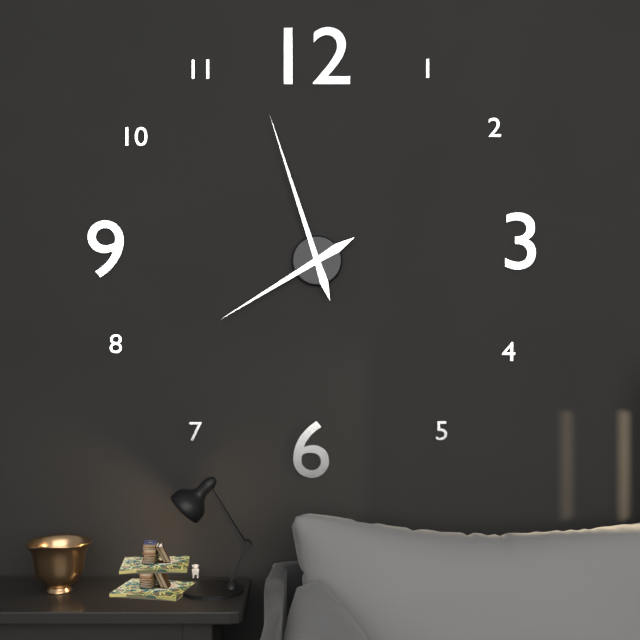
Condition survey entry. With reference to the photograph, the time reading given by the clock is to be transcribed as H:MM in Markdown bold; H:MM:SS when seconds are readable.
**7:57**
